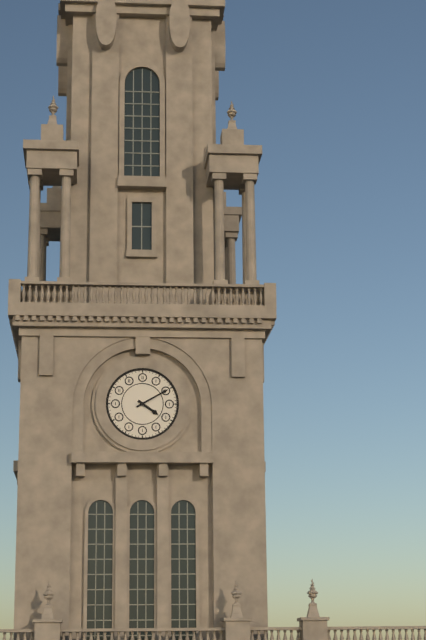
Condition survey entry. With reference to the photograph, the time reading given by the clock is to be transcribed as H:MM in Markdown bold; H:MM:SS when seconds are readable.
**4:10**
